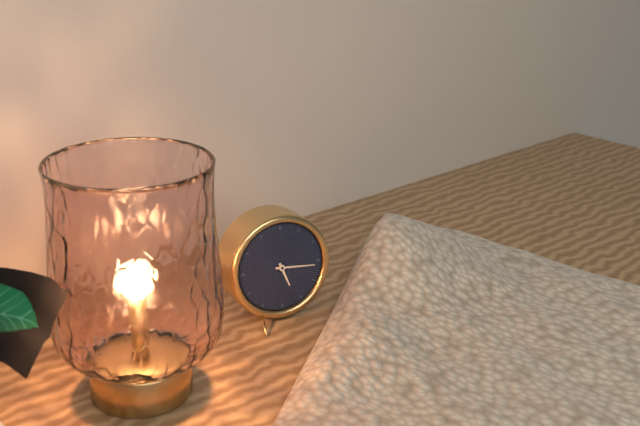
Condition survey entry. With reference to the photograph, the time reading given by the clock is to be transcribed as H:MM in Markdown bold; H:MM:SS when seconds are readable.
**5:16**
